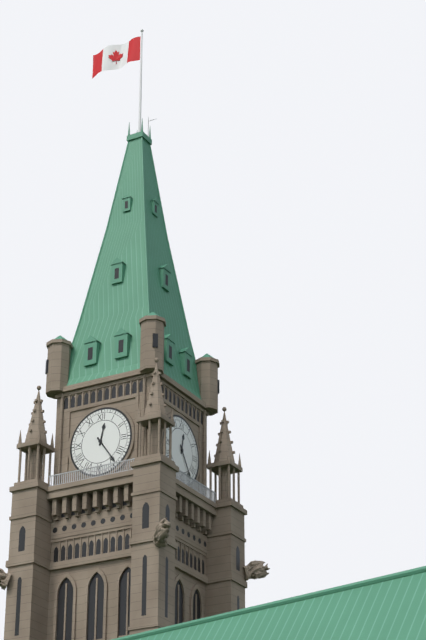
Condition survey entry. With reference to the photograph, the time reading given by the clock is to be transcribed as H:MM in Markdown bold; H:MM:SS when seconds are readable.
**12:24**
